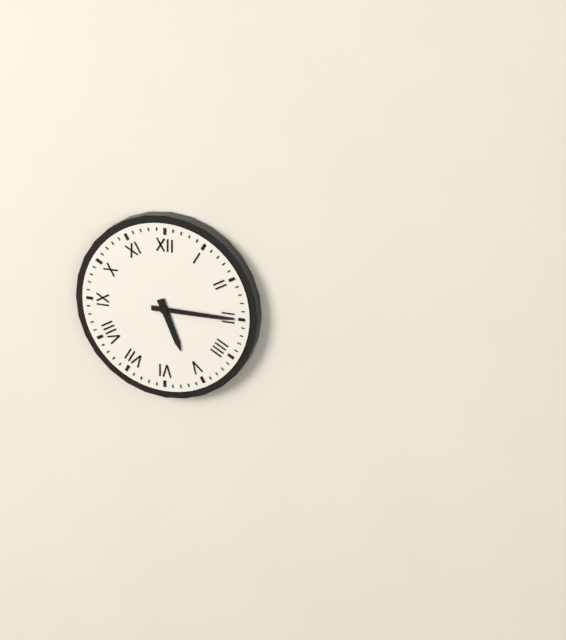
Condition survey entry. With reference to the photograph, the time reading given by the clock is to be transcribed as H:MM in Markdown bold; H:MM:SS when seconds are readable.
**5:15**
